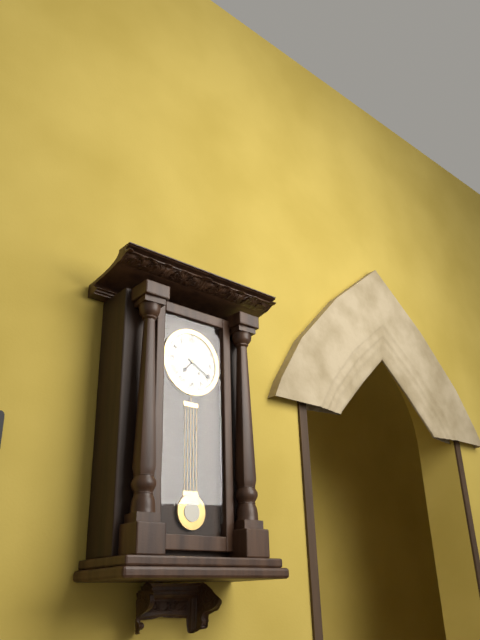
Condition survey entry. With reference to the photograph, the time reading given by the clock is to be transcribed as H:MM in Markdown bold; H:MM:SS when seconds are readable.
**7:20**
